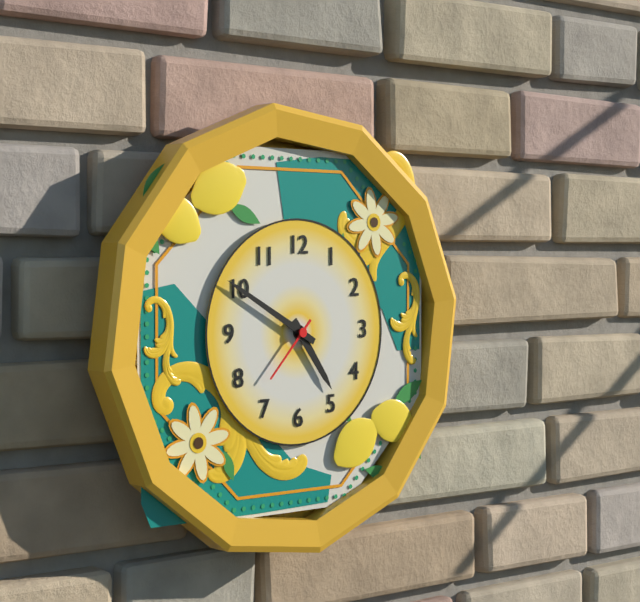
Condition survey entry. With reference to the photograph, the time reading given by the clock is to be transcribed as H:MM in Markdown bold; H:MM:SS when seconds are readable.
**4:50:37**
